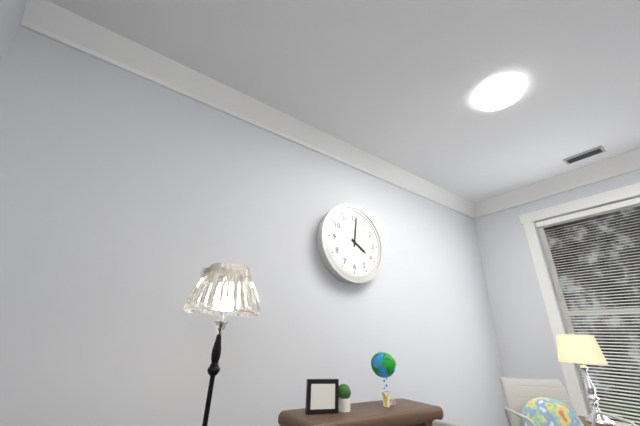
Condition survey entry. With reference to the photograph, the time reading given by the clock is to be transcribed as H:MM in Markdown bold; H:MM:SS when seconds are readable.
**4:01**
